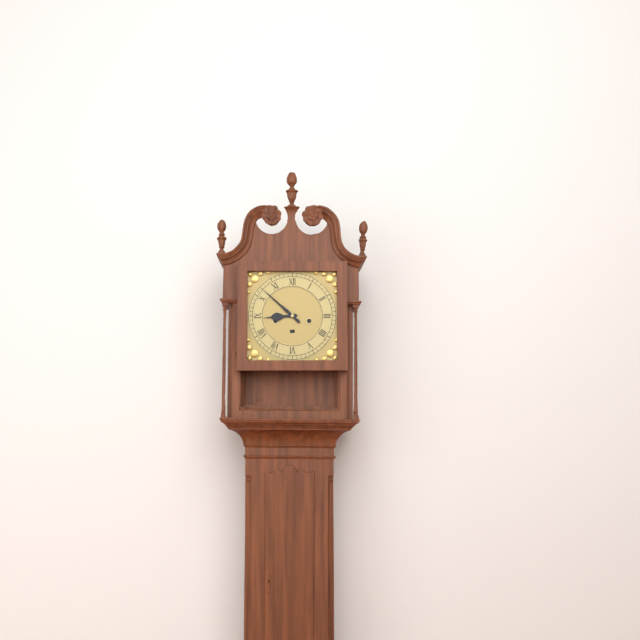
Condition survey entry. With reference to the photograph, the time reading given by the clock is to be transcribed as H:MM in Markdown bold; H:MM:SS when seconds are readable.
**8:52**
